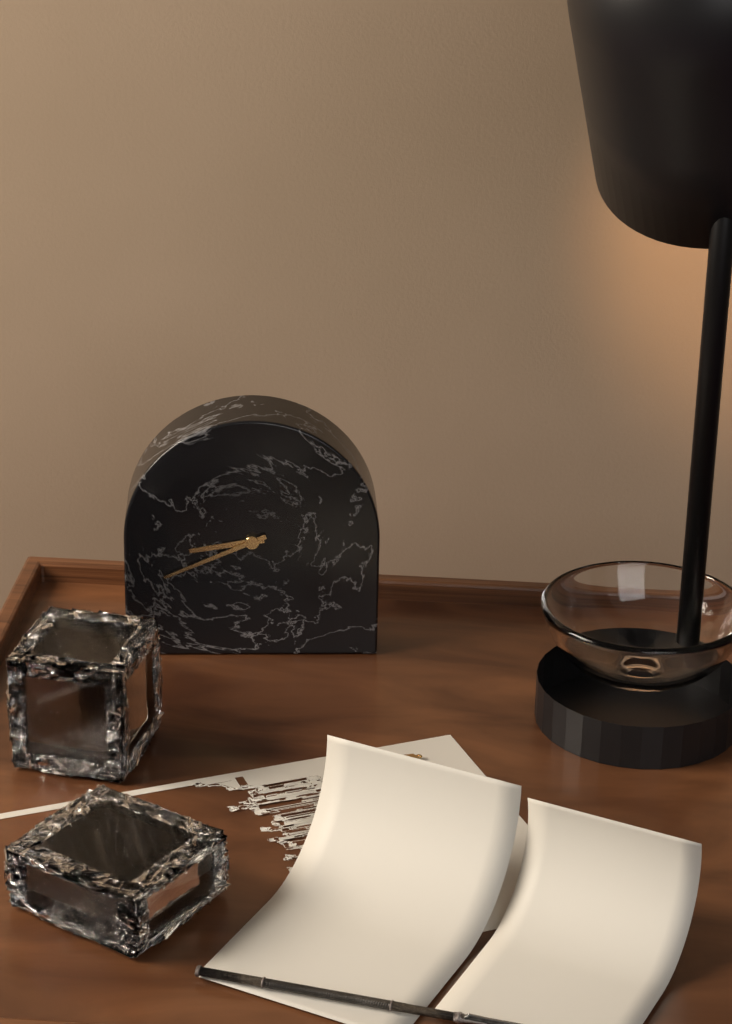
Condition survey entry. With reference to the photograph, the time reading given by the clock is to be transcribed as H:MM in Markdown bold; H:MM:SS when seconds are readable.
**8:41**
